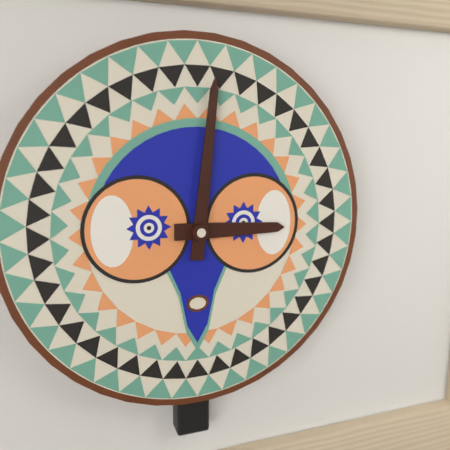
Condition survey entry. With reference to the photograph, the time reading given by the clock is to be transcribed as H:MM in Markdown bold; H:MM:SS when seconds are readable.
**3:01**
